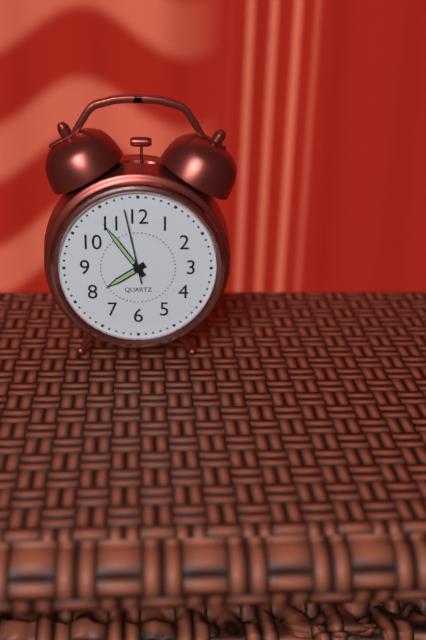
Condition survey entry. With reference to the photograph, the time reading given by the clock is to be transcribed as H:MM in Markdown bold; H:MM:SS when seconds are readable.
**7:54:58**
